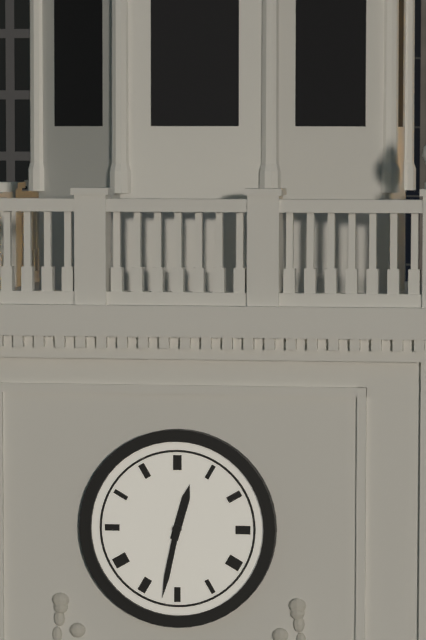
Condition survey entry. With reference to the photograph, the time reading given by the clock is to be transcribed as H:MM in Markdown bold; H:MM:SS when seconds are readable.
**12:32**
